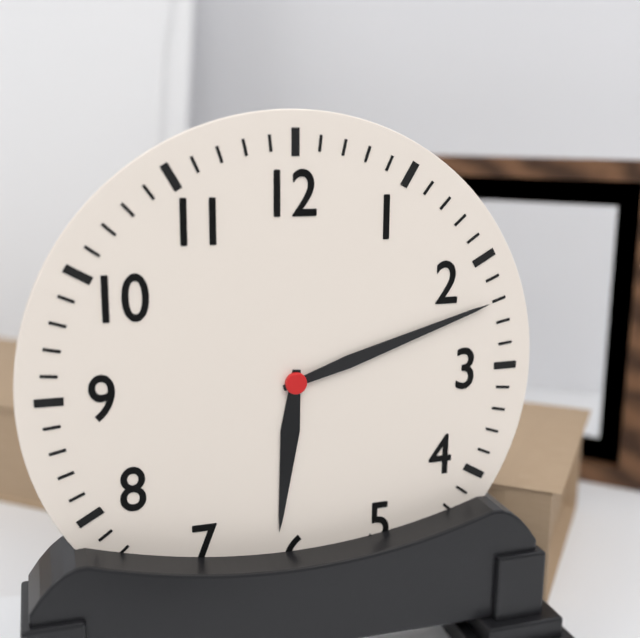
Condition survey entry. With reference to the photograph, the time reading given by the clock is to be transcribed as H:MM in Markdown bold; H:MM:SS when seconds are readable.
**6:12**
